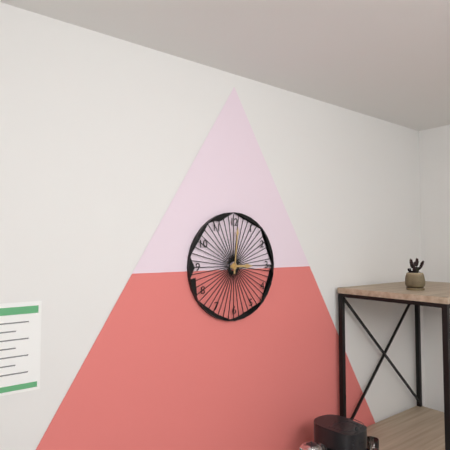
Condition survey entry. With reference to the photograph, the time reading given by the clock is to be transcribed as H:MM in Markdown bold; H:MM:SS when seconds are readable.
**3:01**
